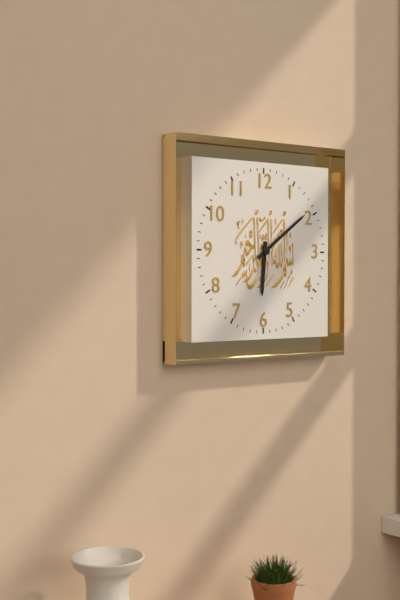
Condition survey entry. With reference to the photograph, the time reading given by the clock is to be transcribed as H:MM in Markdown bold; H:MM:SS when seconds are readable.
**6:09**
